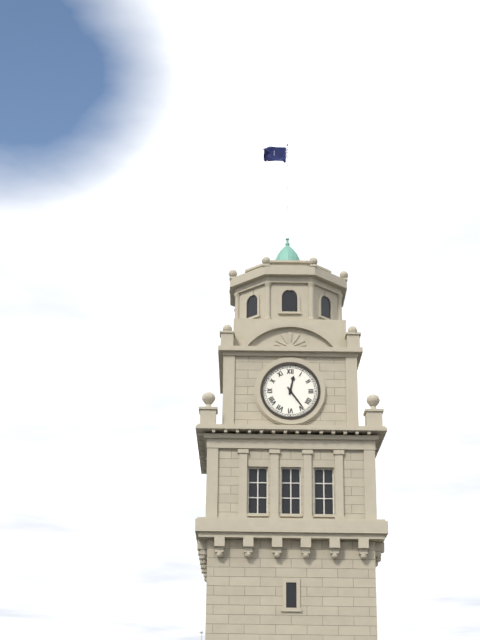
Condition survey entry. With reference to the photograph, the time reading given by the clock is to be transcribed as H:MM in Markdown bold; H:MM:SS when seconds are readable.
**12:24**
